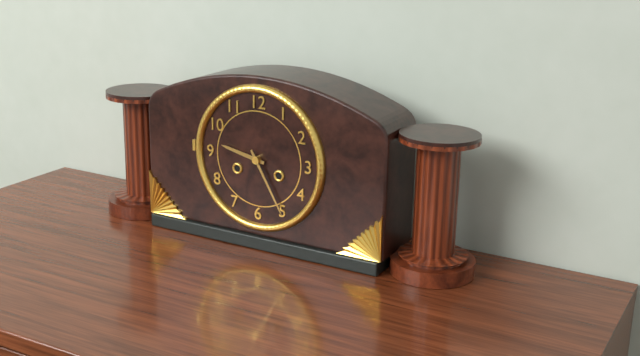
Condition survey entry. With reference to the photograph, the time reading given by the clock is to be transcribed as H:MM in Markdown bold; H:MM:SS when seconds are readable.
**9:25**
